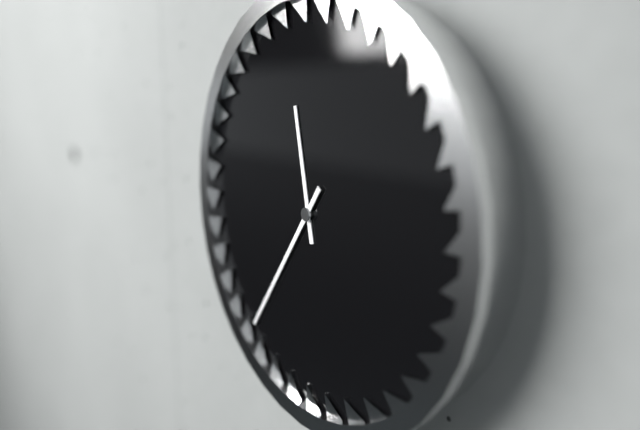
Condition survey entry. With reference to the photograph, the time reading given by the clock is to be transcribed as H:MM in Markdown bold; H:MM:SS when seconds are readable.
**11:36**
